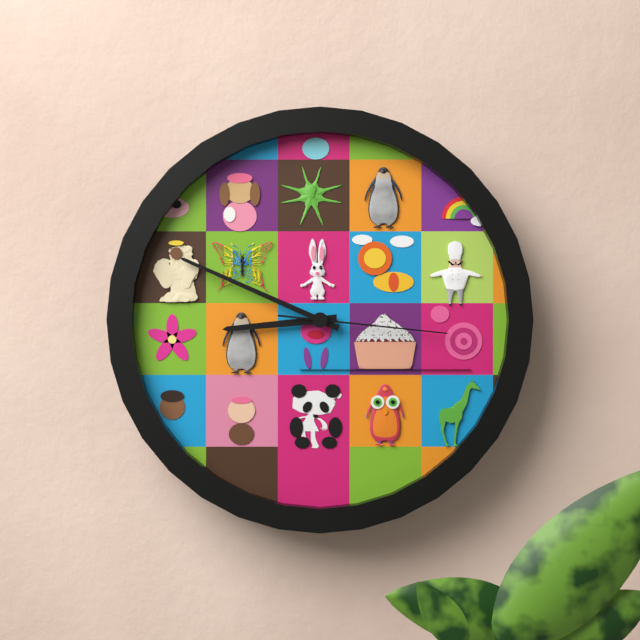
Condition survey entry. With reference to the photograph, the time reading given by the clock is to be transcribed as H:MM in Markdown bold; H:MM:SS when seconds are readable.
**8:49:16**
